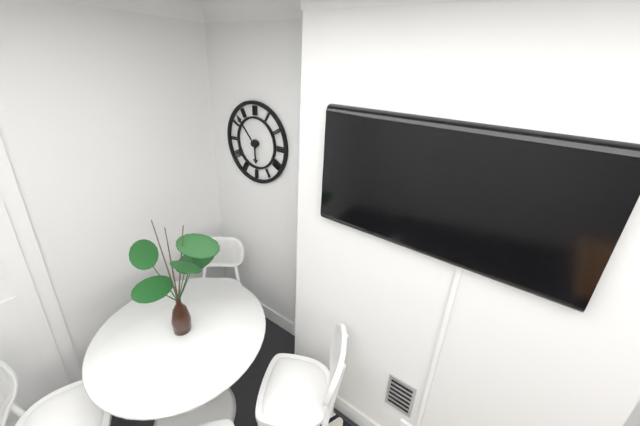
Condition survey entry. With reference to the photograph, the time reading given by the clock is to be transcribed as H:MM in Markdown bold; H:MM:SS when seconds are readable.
**5:53**
